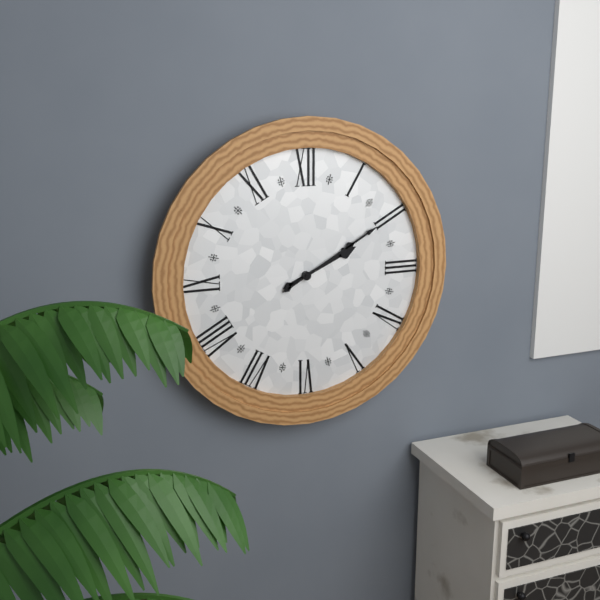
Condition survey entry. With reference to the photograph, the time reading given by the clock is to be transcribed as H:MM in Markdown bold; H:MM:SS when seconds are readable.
**2:10**
